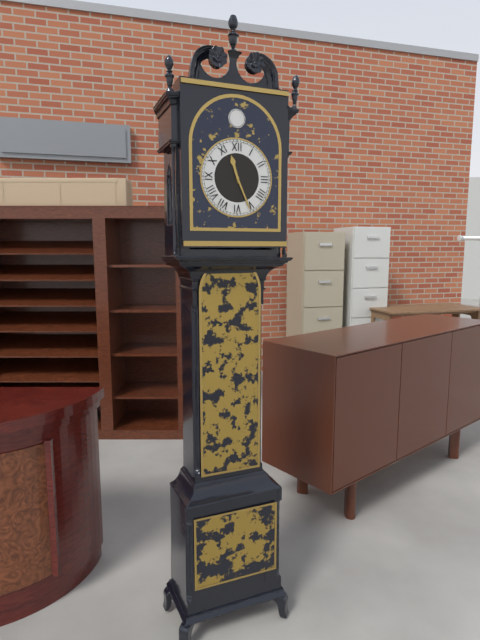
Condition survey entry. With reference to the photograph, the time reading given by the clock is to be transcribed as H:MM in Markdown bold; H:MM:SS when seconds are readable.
**11:26**
